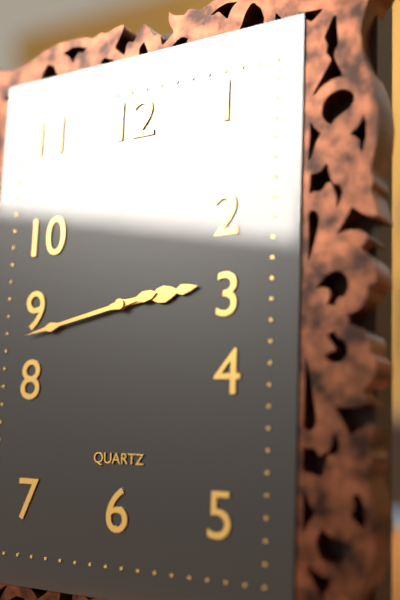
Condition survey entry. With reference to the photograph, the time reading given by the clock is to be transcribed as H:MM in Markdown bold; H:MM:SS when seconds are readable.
**2:43**
